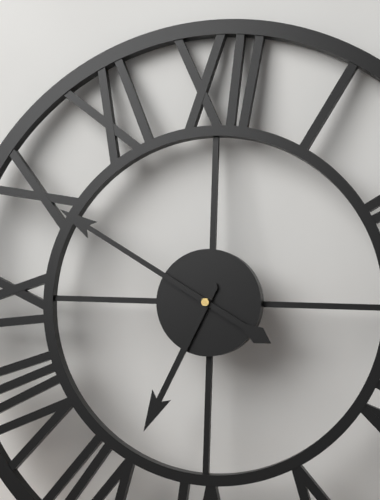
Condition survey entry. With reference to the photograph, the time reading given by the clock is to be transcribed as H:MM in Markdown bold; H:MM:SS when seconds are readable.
**6:50**
